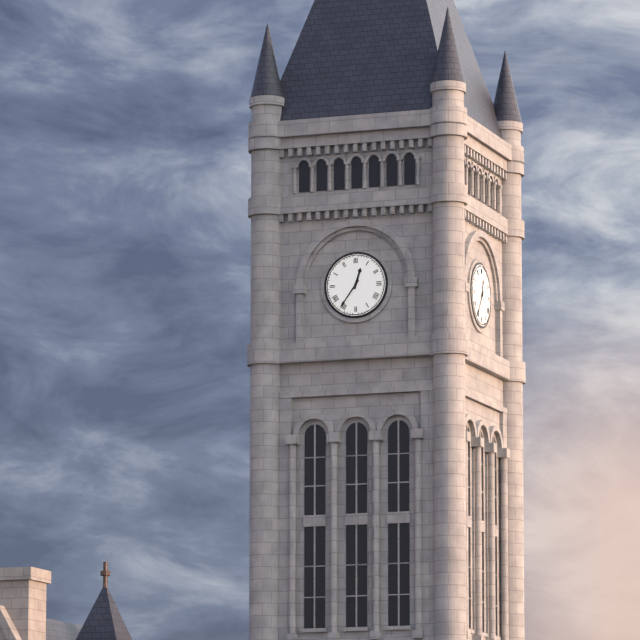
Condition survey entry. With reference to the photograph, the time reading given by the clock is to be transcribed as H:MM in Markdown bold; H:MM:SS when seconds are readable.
**12:36**
